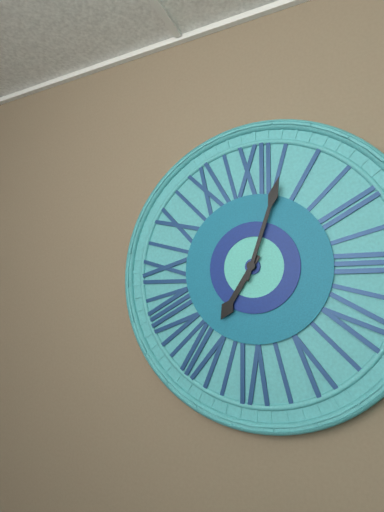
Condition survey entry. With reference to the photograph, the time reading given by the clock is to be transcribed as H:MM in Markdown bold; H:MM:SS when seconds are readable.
**7:03**
